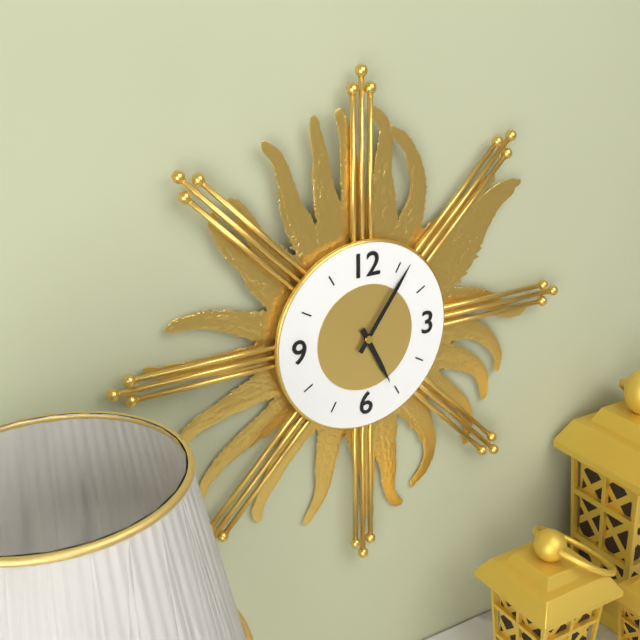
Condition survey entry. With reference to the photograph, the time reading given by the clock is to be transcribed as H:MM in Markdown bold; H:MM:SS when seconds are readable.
**5:06**
